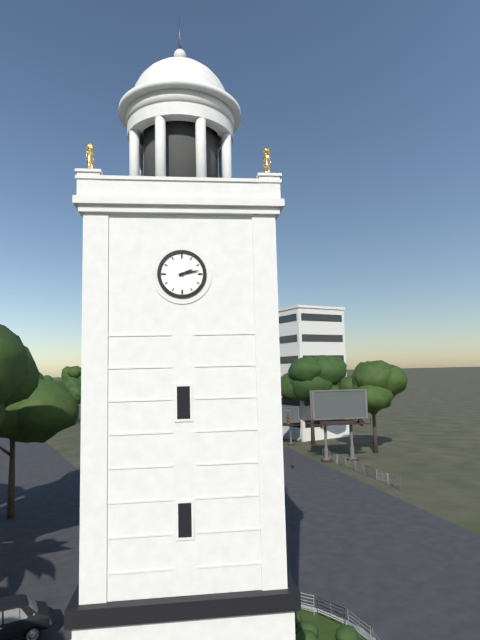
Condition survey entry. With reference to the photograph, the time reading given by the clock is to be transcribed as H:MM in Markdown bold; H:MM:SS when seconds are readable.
**2:13**
